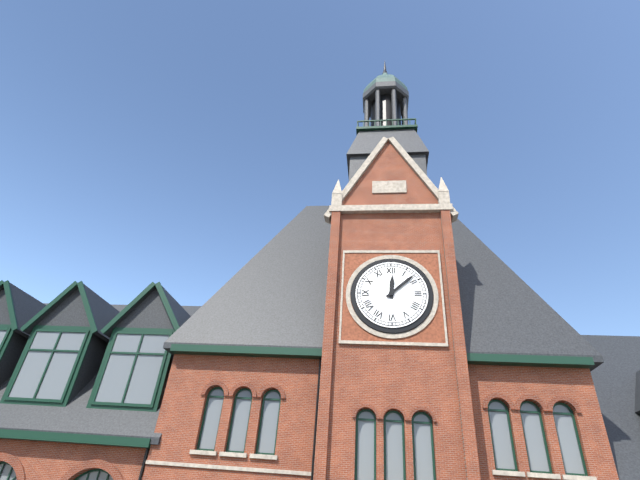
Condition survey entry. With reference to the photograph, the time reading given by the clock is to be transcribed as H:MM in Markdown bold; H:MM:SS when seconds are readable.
**12:08**
